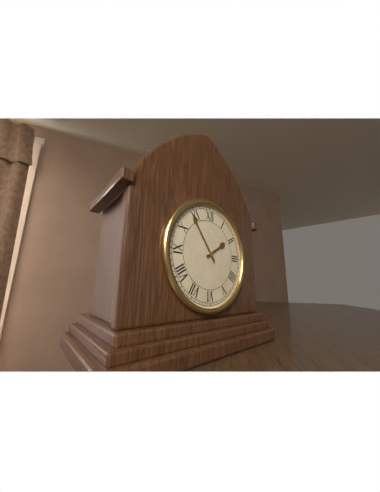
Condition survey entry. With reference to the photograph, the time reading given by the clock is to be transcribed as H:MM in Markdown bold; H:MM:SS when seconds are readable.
**1:54**
